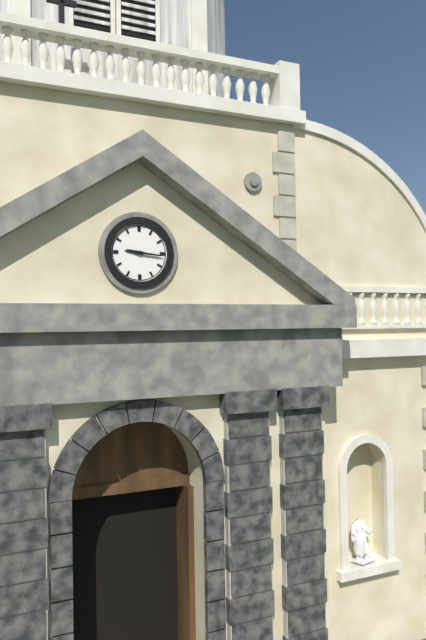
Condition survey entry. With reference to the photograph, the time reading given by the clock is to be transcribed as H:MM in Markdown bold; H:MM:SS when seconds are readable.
**9:16**
